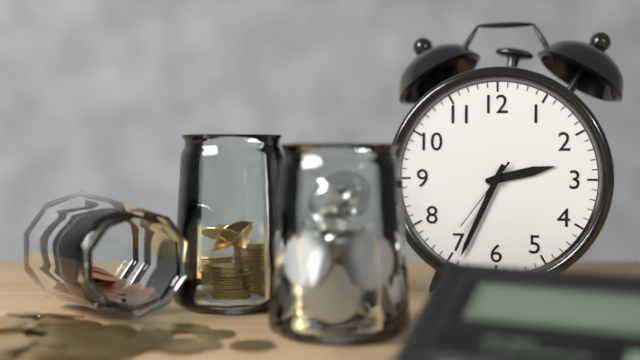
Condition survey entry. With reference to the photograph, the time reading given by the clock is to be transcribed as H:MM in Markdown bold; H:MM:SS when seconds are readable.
**2:34:36**
